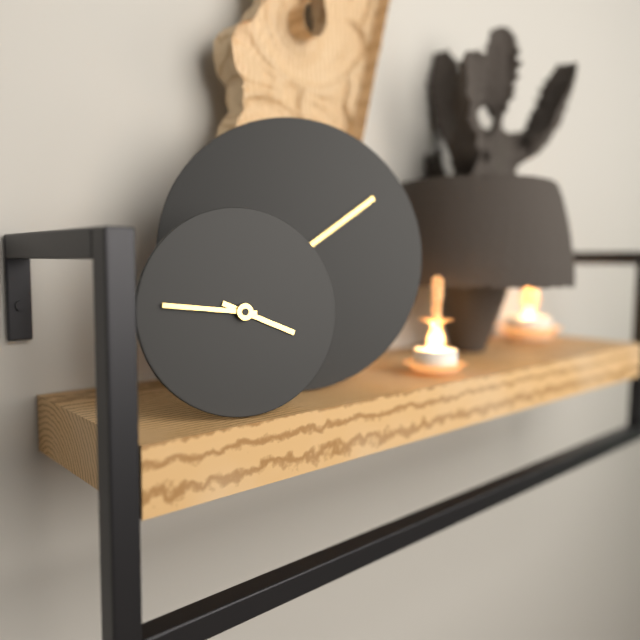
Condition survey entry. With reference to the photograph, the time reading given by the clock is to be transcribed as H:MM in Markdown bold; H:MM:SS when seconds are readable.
**3:46**
